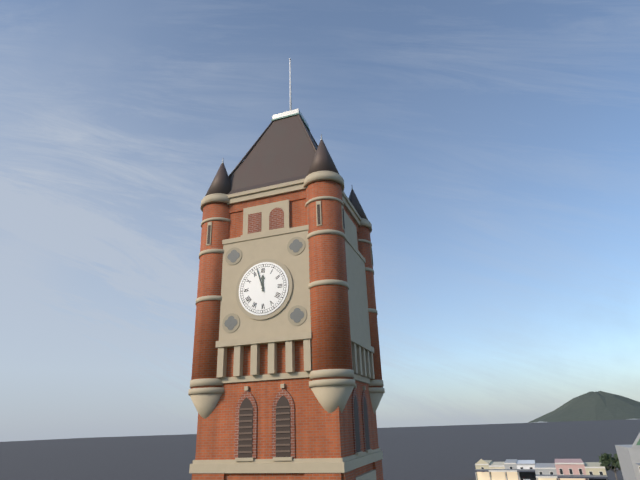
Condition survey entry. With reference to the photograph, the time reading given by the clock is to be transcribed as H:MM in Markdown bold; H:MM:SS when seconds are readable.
**11:57**
